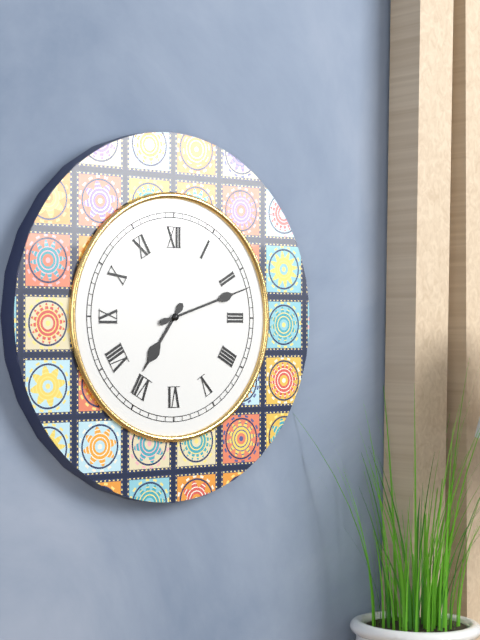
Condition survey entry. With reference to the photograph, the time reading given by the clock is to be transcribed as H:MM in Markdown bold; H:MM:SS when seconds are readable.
**7:12**
